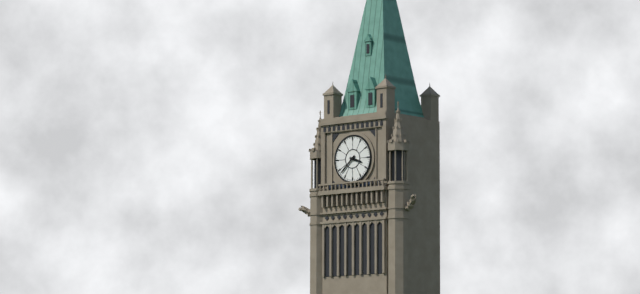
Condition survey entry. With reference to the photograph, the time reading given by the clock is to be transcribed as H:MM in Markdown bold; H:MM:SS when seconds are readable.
**3:38**
